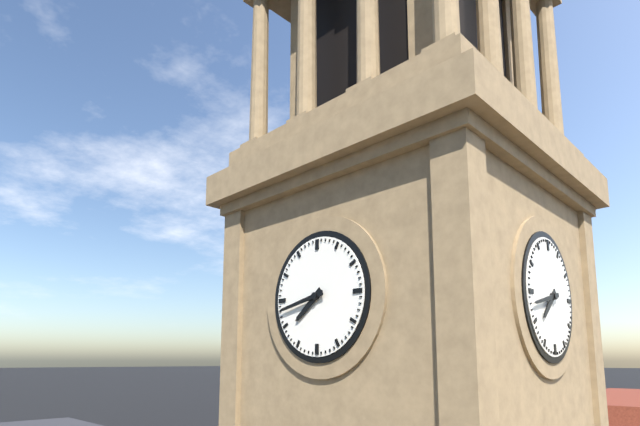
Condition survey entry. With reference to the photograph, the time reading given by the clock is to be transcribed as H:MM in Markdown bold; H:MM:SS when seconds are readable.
**7:43**
